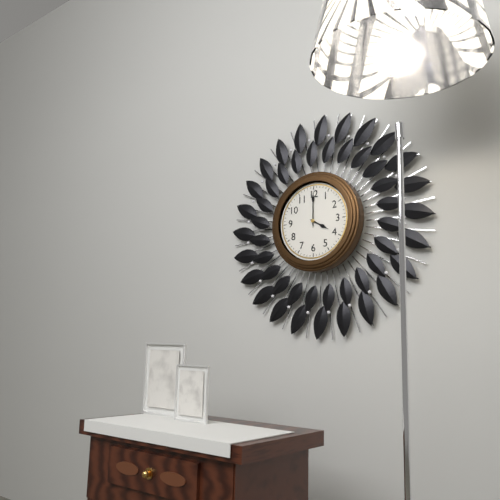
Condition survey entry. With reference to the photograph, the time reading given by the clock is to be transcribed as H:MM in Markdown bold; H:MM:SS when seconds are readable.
**4:00**
